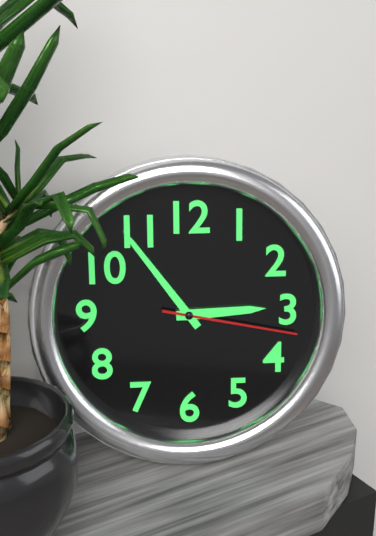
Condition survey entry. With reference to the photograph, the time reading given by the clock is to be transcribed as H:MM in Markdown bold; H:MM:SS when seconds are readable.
**2:54:17**
